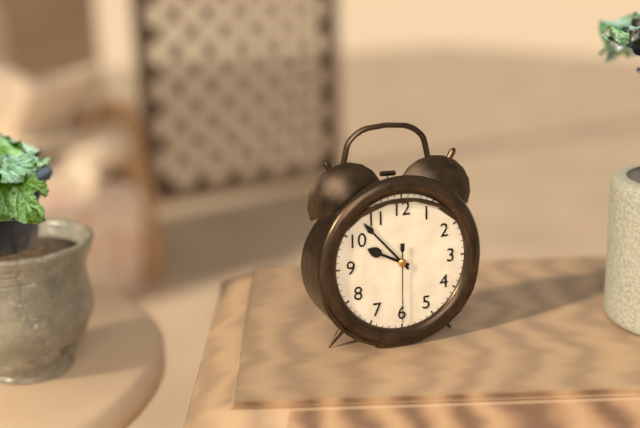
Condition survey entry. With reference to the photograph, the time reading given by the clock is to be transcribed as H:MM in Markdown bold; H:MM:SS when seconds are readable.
**9:53:30**
